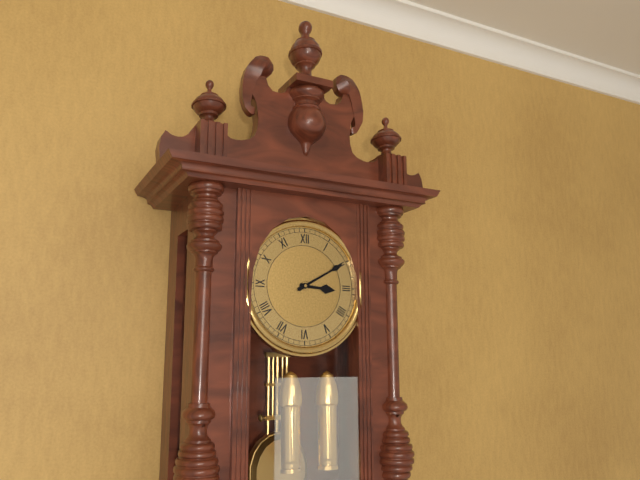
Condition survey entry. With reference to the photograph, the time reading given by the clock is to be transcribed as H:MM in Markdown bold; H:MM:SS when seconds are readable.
**3:10**
